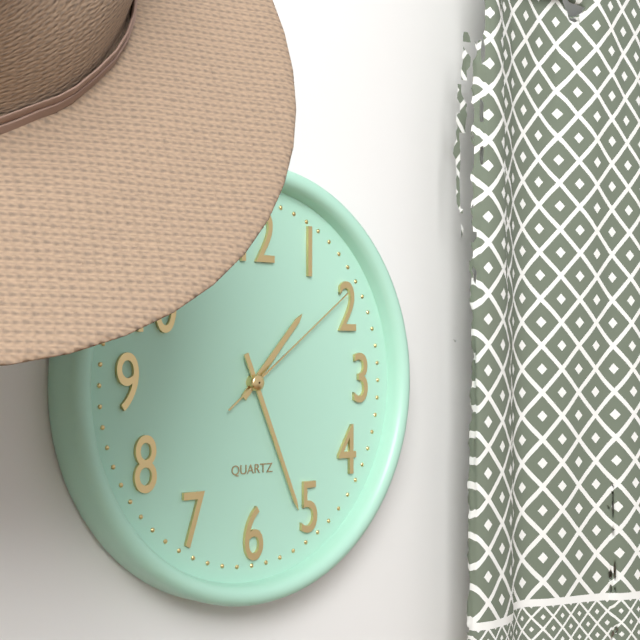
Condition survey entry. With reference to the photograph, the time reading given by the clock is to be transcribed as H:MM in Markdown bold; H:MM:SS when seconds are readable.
**1:26:09**
